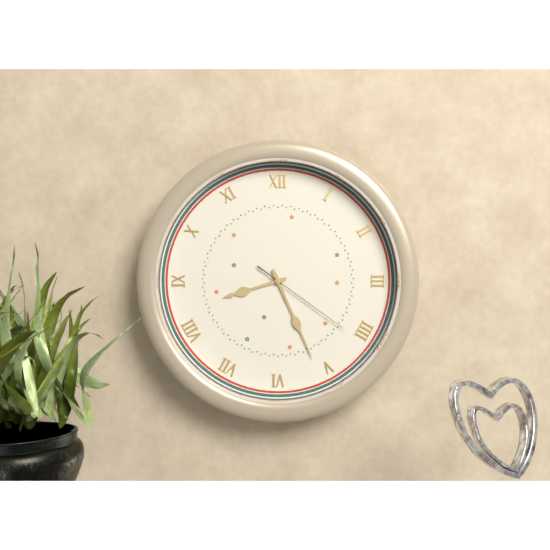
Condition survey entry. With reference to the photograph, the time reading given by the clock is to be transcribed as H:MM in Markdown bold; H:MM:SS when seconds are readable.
**8:26:21**
